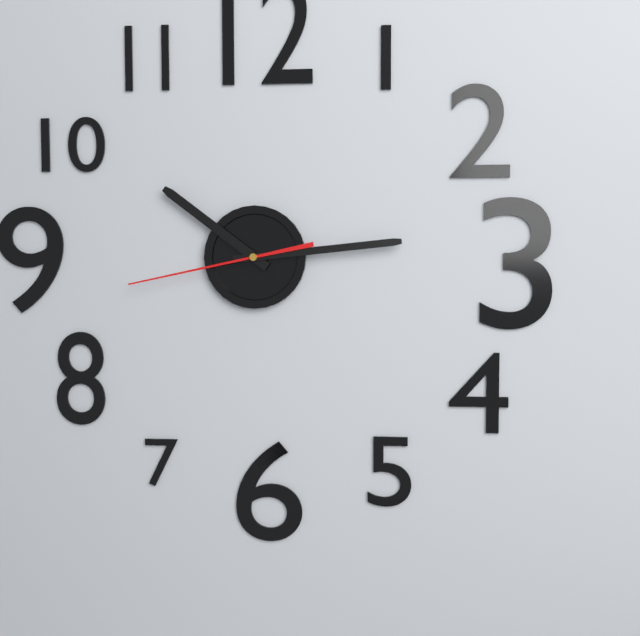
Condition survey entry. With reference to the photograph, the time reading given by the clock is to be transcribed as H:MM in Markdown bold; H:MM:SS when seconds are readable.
**10:14:43**
